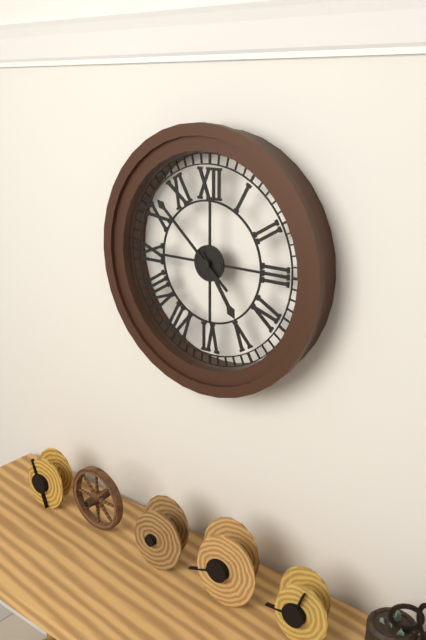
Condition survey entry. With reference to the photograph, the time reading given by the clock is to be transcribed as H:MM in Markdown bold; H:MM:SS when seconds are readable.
**4:52**
